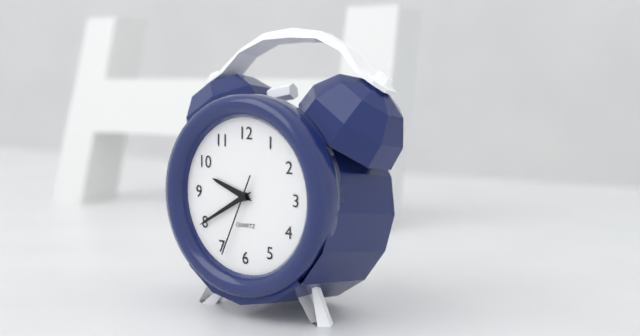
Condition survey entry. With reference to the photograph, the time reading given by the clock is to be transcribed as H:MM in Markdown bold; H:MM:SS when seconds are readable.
**9:40:34**
